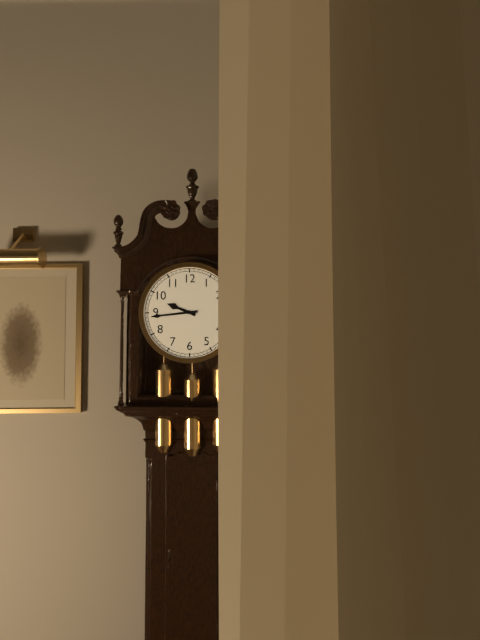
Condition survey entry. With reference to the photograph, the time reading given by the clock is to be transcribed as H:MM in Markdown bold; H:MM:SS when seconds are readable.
**9:44**
